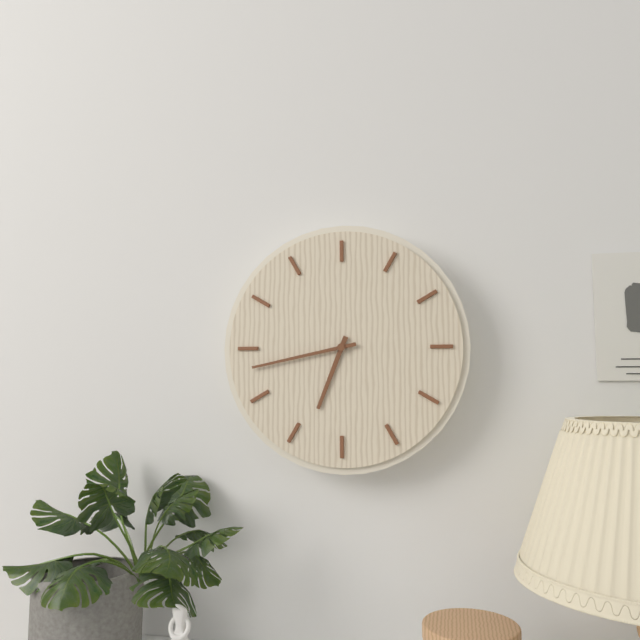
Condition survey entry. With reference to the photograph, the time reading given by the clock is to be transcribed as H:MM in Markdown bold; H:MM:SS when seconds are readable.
**6:43**
